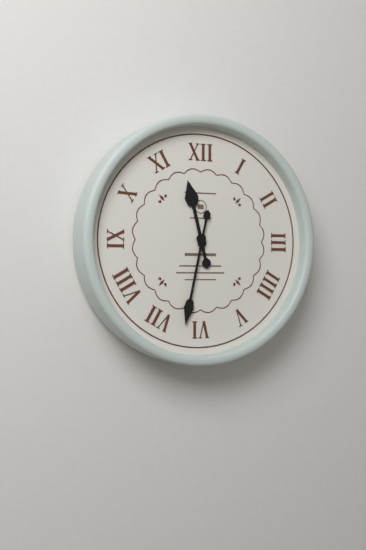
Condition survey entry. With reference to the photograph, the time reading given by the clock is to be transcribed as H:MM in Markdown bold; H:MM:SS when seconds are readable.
**11:32**
